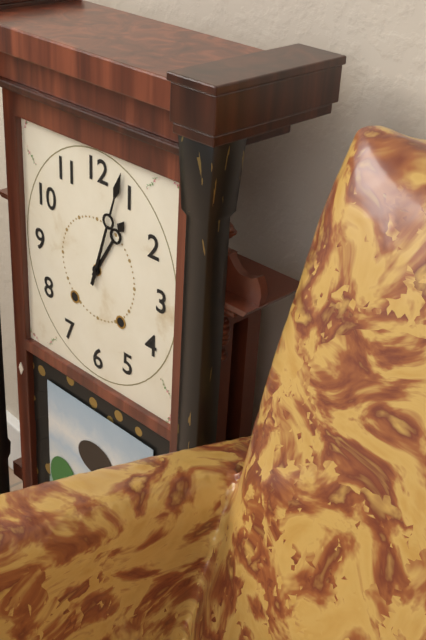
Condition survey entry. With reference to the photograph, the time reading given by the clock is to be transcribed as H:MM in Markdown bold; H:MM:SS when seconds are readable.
**1:03**
